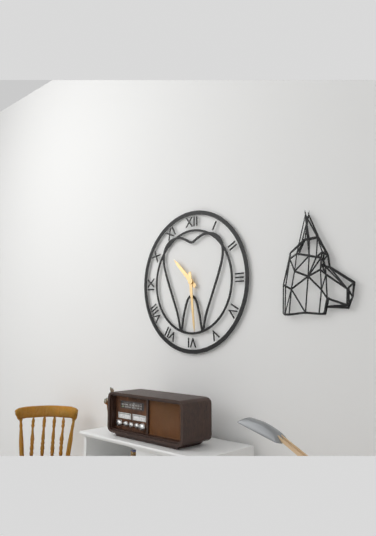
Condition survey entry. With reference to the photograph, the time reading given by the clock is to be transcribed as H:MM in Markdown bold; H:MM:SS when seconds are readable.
**10:29**
